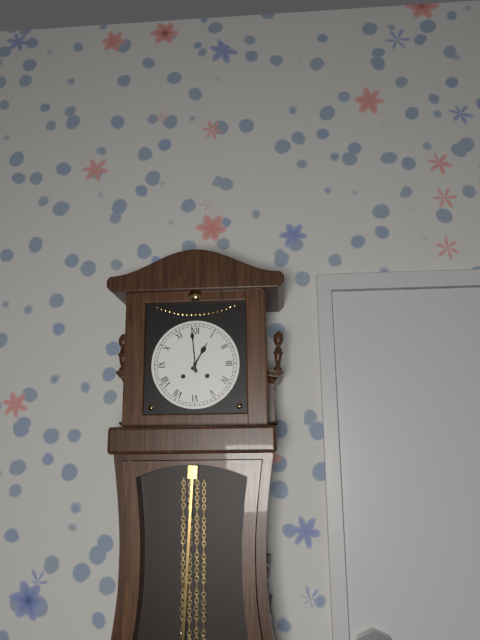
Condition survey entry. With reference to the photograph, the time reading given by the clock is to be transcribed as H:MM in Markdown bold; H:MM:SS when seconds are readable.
**12:59**
